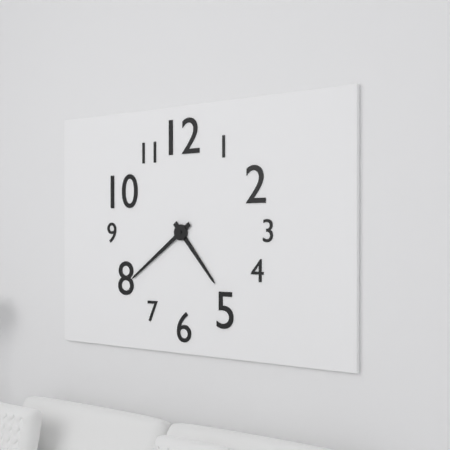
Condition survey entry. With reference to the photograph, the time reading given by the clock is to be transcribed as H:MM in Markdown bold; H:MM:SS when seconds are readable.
**4:39**
